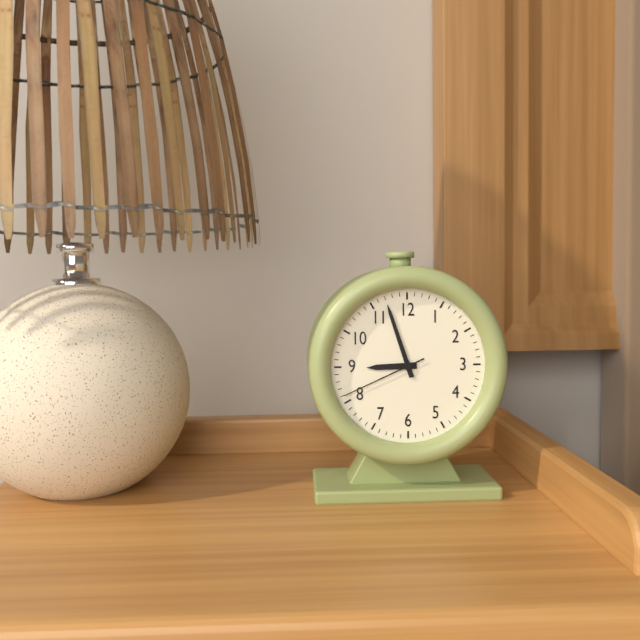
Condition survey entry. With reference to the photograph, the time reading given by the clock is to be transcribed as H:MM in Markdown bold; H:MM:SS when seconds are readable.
**8:57:41**
